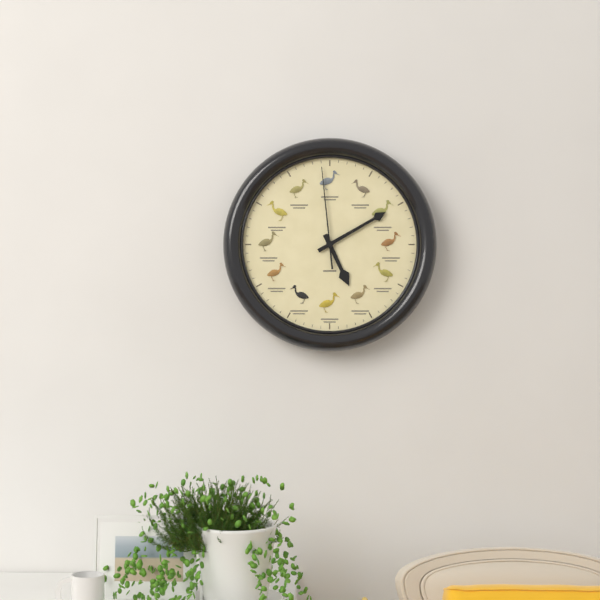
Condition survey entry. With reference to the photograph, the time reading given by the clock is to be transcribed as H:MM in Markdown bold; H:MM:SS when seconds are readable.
**5:10:59**
